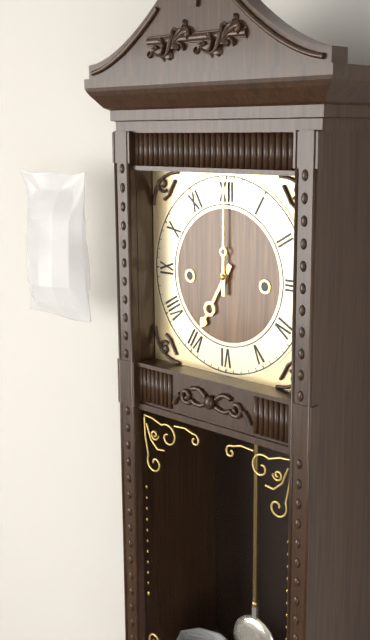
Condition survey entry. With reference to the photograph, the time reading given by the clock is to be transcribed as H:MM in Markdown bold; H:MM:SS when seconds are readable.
**7:00**
